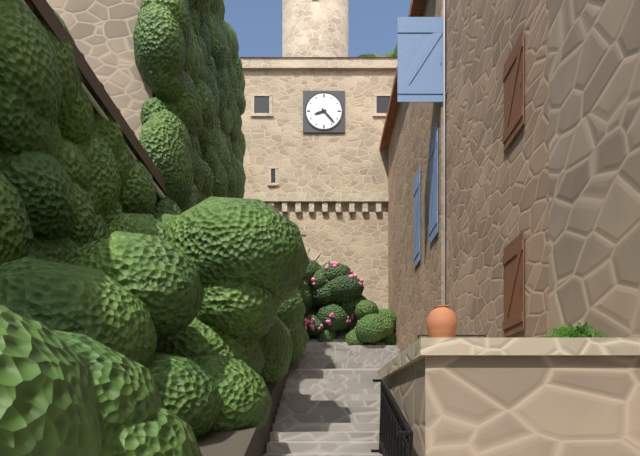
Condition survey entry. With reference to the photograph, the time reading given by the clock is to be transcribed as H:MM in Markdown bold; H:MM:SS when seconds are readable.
**8:23**
